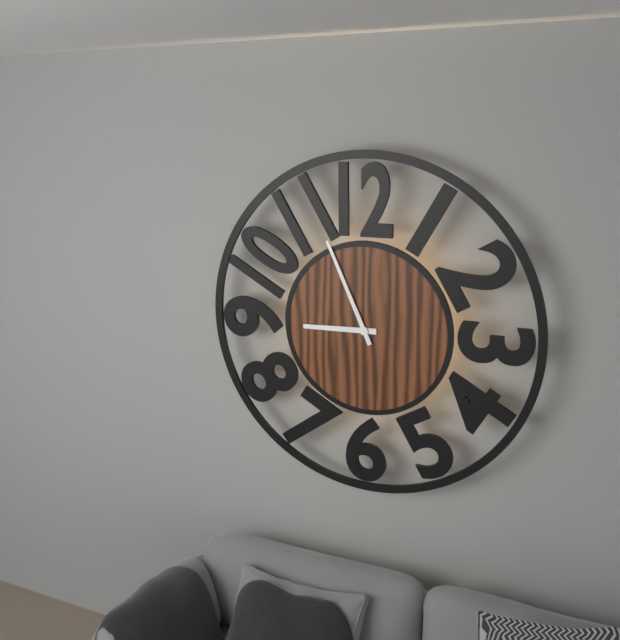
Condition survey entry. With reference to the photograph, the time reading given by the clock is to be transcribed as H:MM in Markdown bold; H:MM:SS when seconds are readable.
**8:56**
